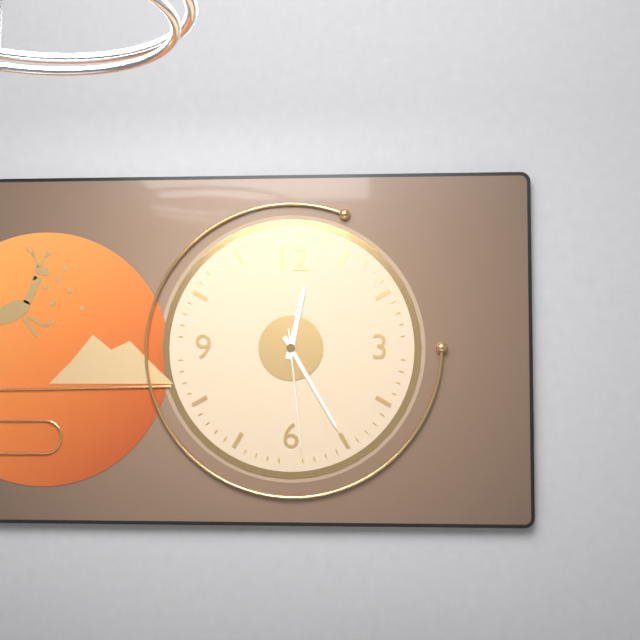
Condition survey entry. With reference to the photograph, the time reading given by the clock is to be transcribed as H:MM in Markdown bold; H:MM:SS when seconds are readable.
**12:25:29**
